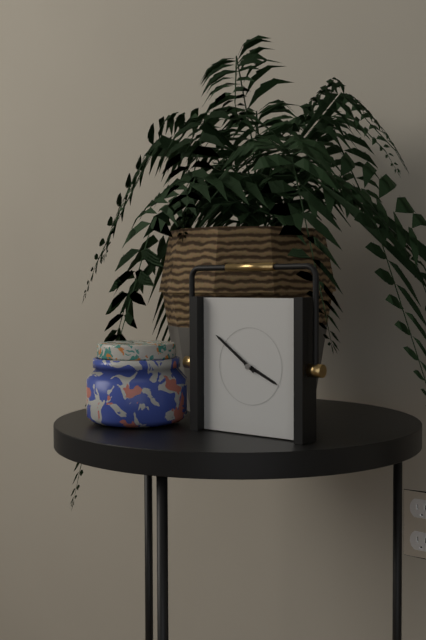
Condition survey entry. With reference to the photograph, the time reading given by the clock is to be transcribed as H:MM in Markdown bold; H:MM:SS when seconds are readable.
**3:51**
